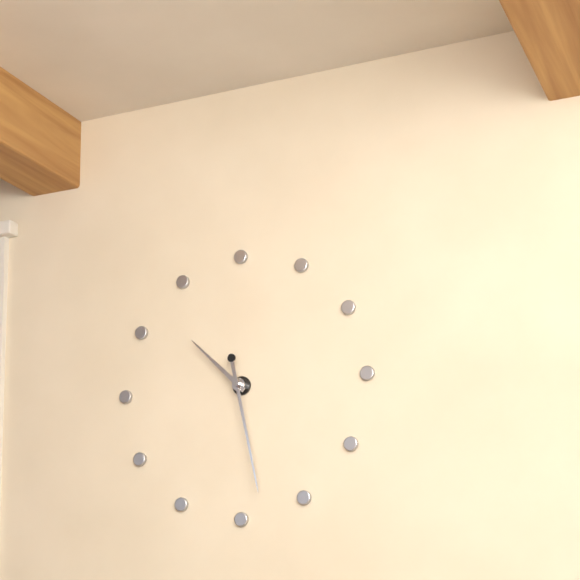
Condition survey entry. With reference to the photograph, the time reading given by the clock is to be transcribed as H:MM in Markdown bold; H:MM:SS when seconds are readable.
**10:28**
